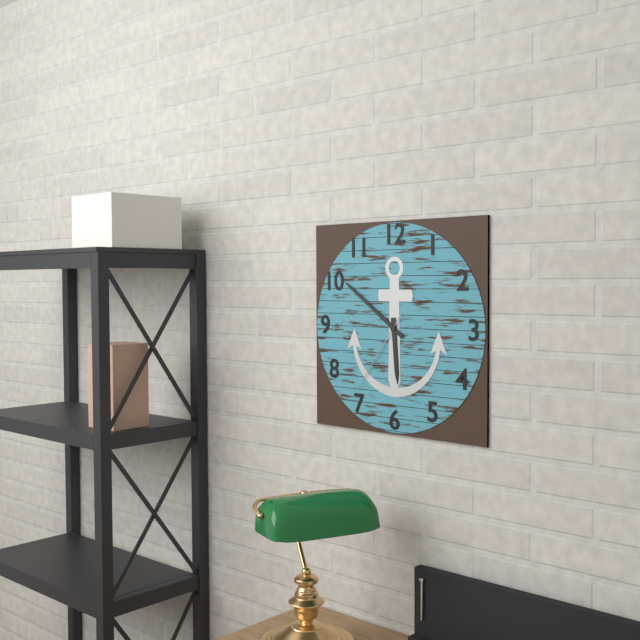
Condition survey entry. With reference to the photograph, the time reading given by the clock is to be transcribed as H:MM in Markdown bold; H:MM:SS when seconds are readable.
**5:51:36**
